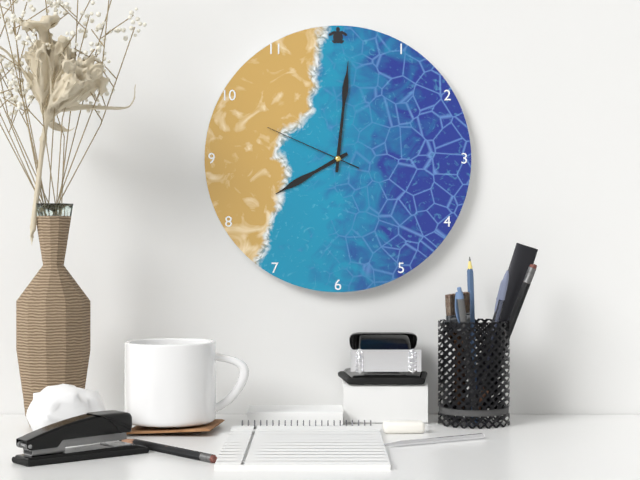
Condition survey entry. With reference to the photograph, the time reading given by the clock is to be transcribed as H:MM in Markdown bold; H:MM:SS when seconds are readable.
**8:01:49**
